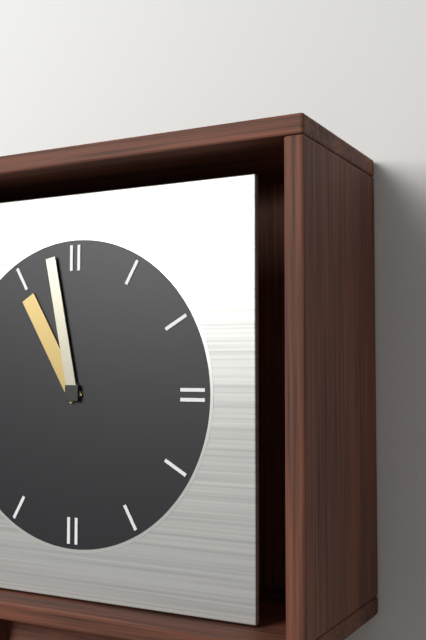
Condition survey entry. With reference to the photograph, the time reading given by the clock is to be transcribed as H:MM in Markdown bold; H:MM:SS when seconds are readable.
**10:58**
